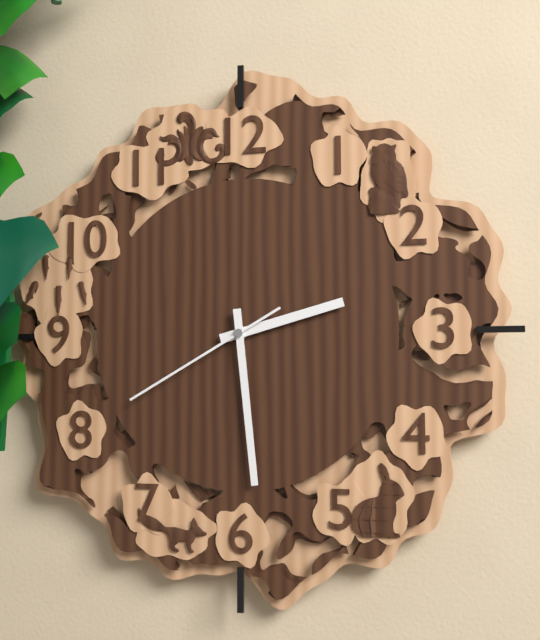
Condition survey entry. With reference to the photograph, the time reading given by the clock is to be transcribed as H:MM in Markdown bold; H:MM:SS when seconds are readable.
**2:29:40**
